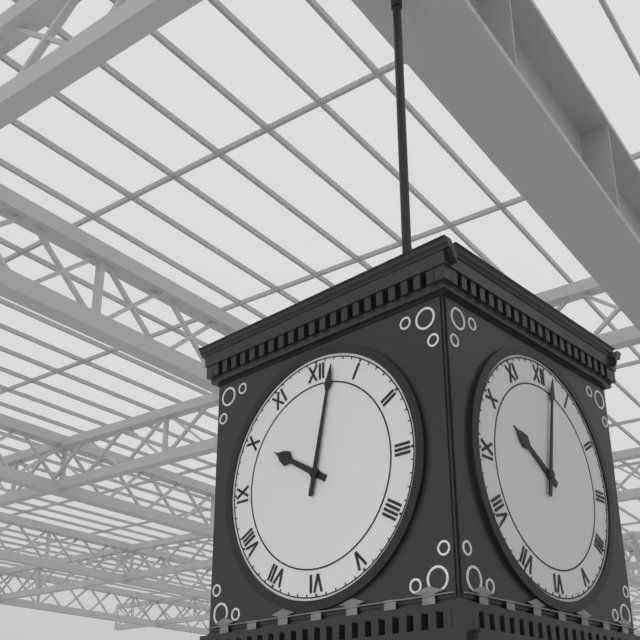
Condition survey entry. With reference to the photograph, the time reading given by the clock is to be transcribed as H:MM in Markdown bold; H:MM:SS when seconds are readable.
**10:02**
